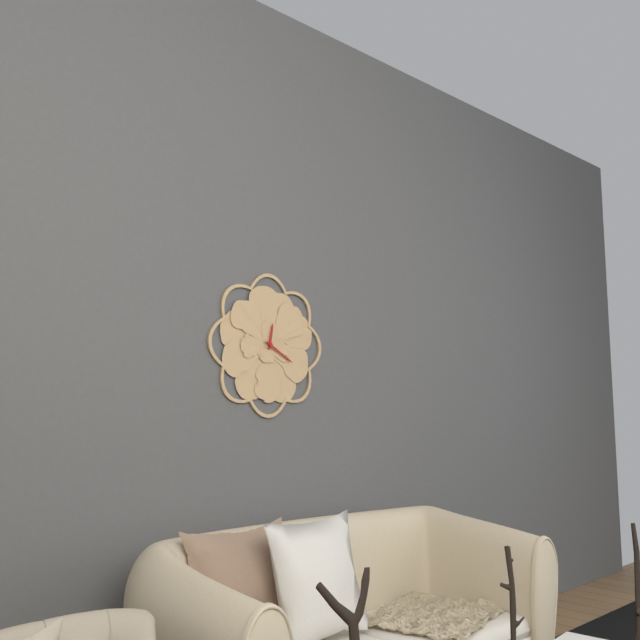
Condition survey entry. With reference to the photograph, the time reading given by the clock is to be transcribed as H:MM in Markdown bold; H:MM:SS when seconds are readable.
**12:20**
